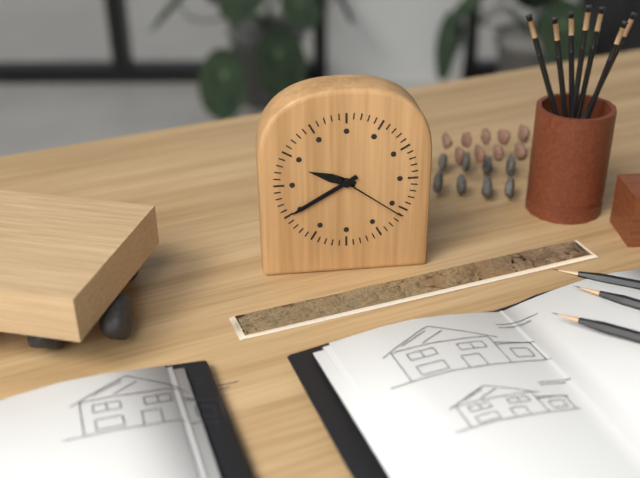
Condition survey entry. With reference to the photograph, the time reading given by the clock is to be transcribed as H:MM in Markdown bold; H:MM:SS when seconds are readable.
**9:40:21**
